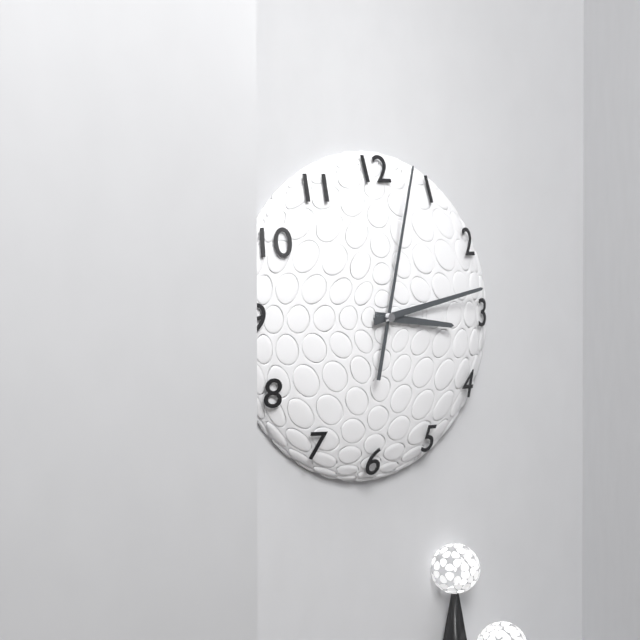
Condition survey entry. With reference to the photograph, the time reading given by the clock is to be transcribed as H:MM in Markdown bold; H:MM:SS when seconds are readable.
**3:13:02**
